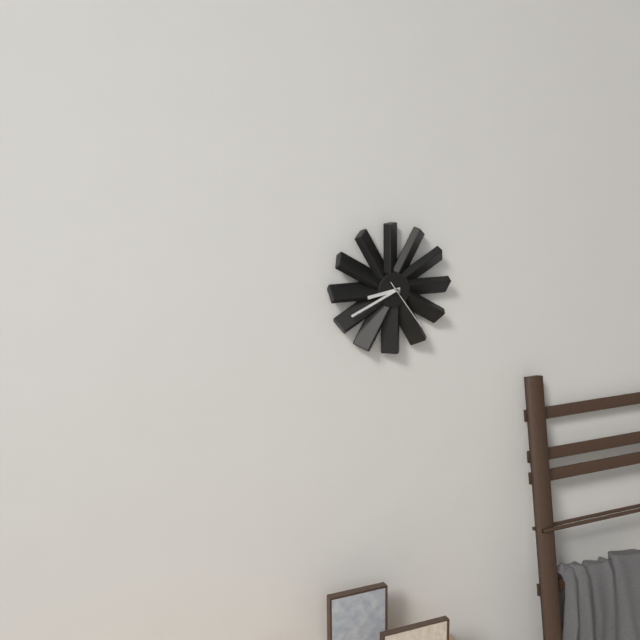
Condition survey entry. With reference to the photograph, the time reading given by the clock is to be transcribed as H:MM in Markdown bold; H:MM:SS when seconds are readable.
**8:41:24**
